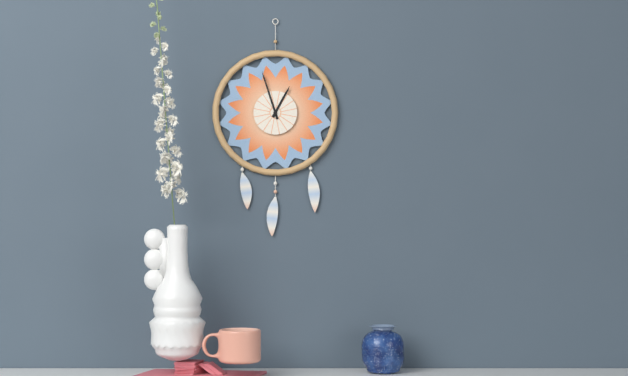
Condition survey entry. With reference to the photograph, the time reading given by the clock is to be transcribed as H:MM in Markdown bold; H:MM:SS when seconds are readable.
**12:57**
